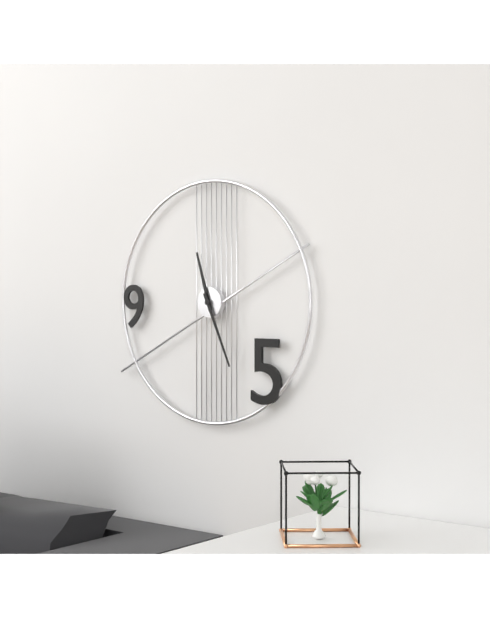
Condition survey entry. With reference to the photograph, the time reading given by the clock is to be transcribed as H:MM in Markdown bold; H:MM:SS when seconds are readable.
**11:26**
